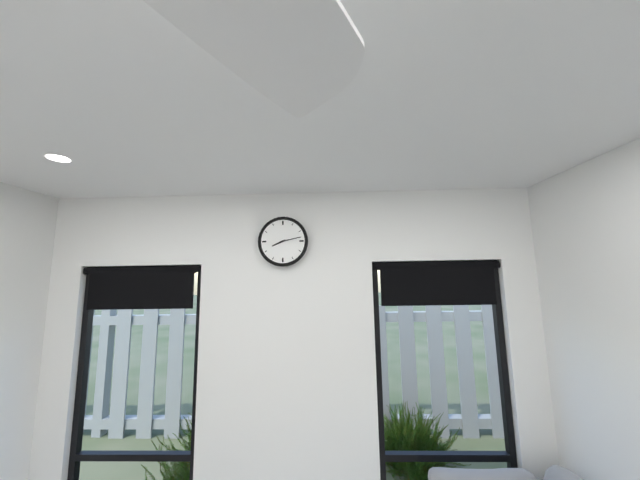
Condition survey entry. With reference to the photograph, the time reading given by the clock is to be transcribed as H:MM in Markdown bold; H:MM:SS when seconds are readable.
**8:13**
